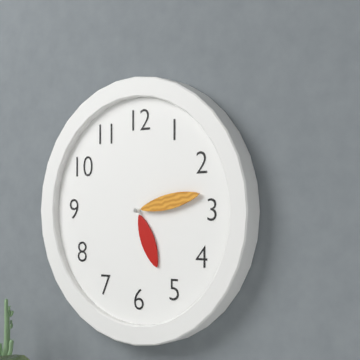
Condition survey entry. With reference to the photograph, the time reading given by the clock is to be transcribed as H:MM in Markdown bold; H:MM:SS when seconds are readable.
**5:13**
